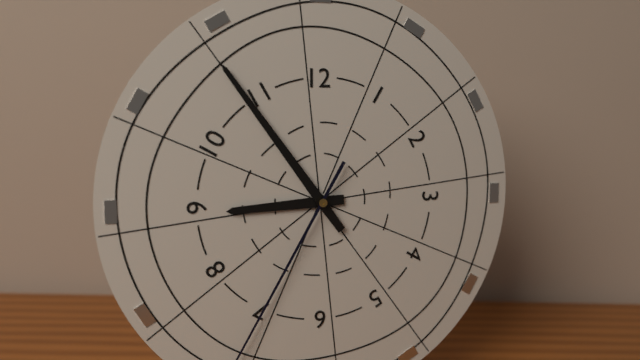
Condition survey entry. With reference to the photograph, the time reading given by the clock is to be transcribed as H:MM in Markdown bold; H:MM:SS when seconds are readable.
**8:54**
